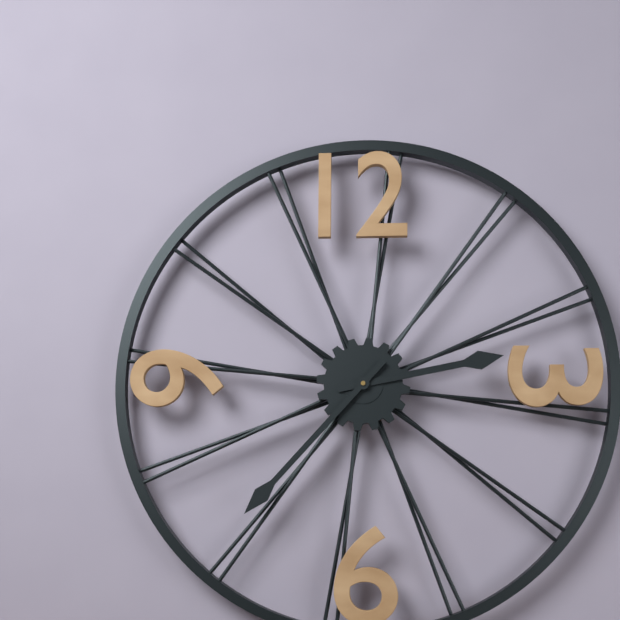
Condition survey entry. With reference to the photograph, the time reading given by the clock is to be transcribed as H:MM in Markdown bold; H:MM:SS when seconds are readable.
**2:37**
